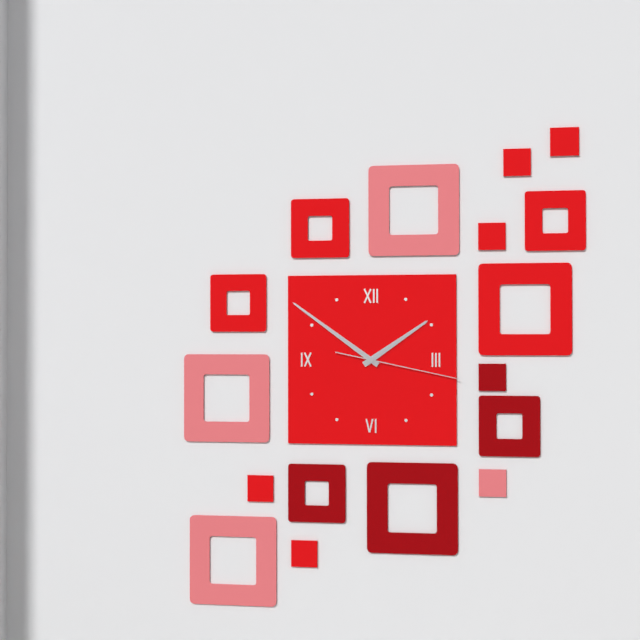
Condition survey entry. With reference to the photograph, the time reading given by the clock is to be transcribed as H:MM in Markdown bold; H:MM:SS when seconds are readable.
**1:51:17**
